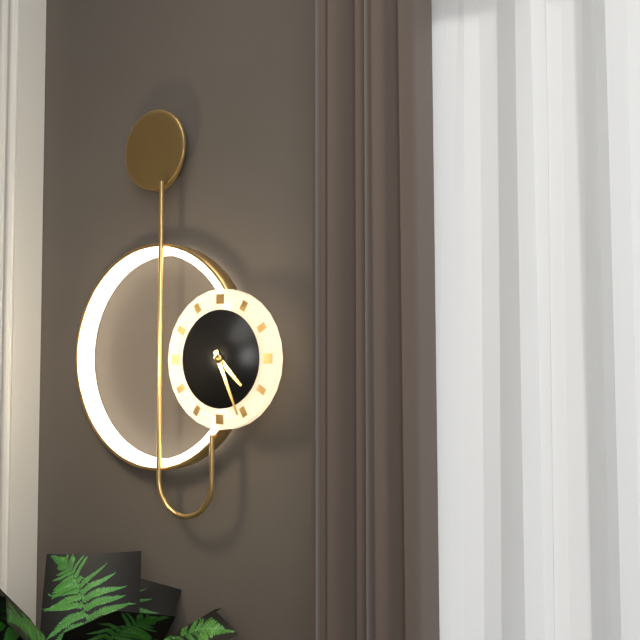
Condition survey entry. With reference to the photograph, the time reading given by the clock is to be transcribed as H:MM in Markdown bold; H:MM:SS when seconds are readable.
**4:26**
